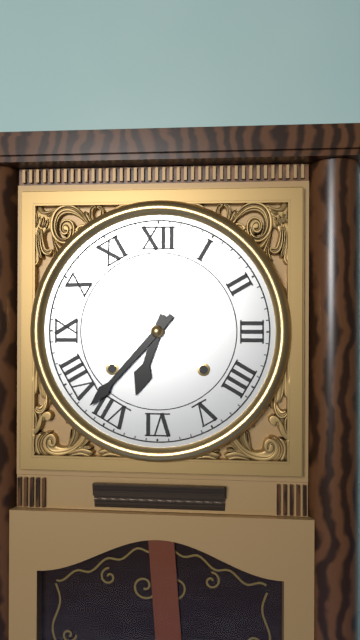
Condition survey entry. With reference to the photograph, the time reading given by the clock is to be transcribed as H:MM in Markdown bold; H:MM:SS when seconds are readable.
**6:37**
